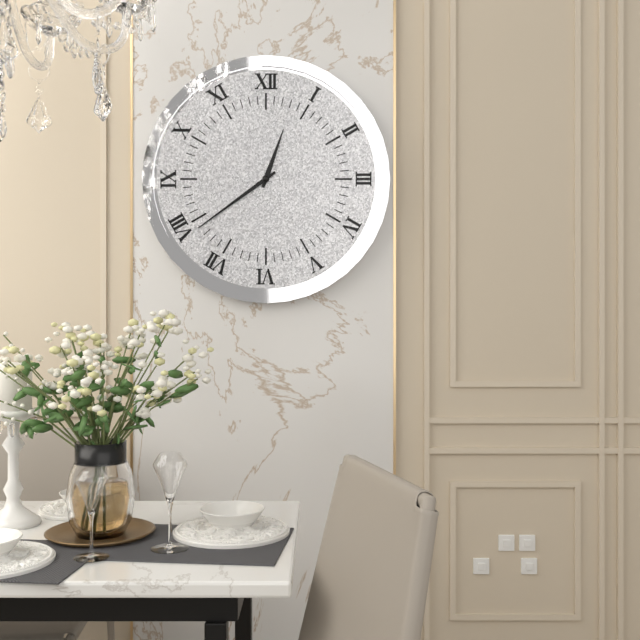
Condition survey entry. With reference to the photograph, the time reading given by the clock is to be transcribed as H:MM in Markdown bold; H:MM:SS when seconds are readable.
**12:39**
